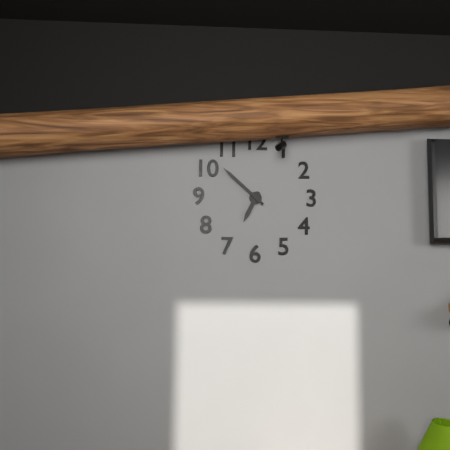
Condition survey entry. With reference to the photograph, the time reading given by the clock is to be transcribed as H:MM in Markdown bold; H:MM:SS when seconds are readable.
**6:52**
